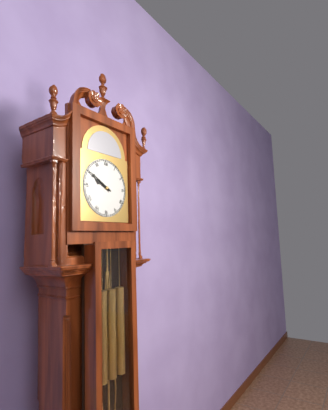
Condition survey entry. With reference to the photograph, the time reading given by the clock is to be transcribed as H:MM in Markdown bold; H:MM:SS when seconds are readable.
**9:50**
